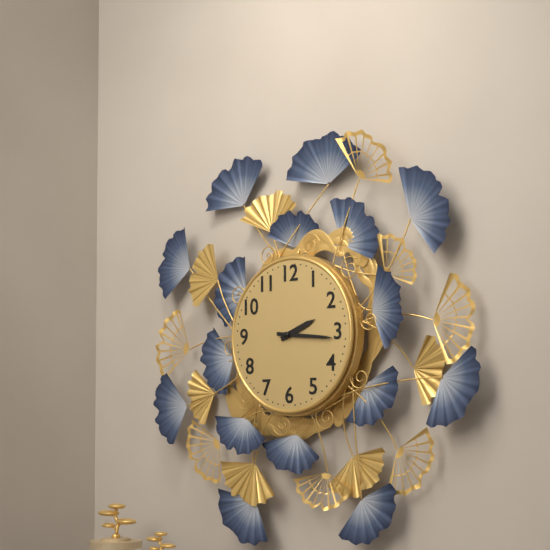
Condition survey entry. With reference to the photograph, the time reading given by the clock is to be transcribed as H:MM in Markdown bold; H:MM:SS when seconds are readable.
**2:16**
